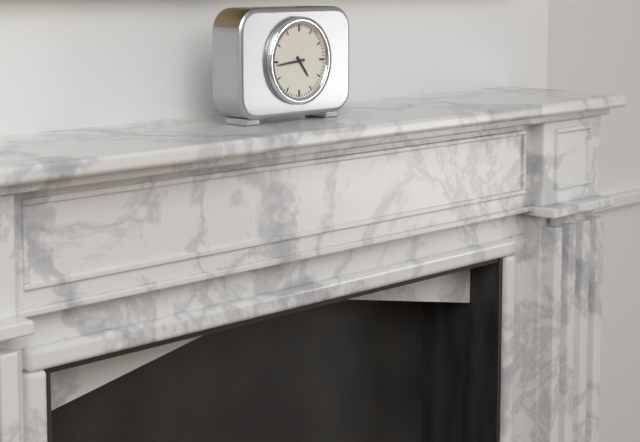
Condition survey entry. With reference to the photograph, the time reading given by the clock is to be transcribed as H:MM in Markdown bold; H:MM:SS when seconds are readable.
**4:44**
